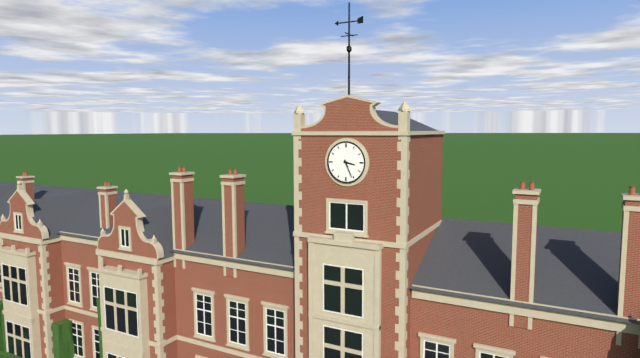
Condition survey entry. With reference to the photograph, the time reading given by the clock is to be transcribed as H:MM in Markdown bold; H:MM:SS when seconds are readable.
**3:26**
